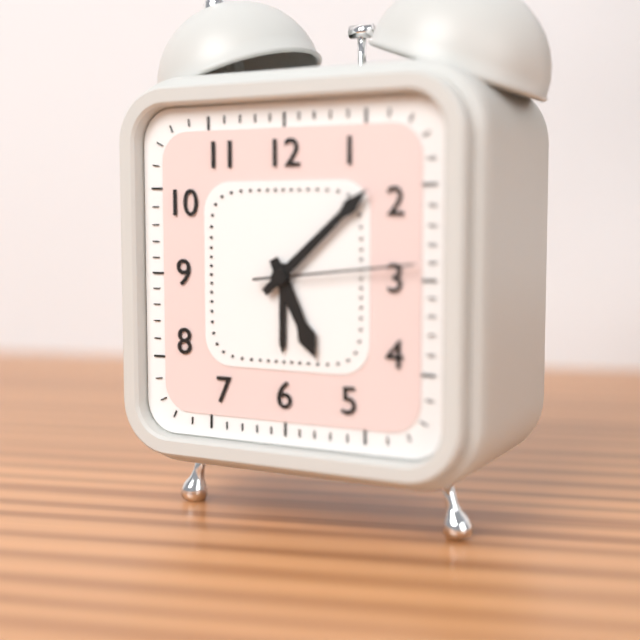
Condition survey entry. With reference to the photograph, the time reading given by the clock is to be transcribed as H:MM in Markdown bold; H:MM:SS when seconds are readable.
**5:08:14**
